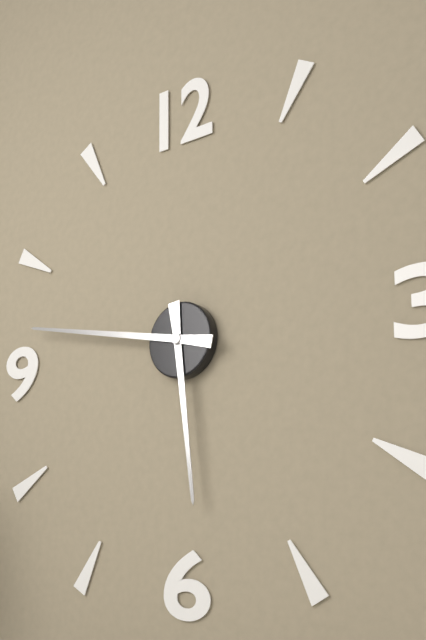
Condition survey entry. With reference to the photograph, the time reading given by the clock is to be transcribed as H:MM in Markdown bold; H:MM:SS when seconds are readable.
**5:47**
